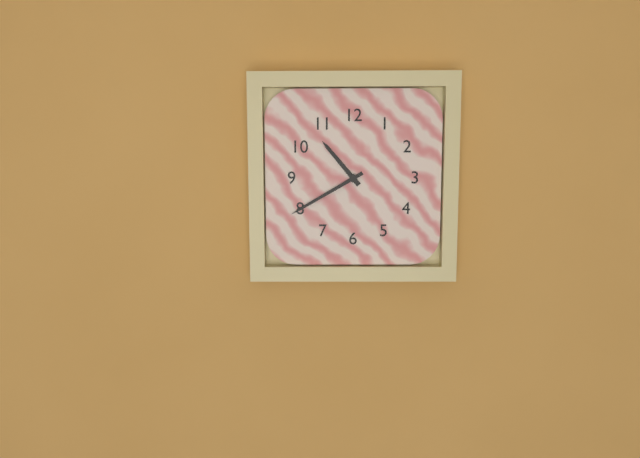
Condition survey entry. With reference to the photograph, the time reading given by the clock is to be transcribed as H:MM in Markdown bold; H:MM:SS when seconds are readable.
**10:40**
